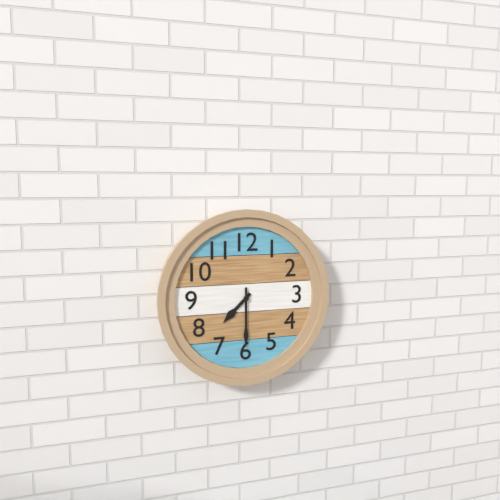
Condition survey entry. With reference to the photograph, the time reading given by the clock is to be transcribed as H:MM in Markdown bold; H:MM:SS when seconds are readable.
**7:30**
